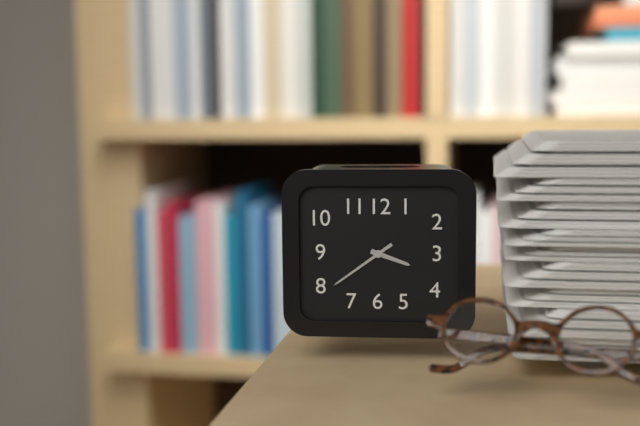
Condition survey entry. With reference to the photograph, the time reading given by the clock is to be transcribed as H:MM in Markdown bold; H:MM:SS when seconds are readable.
**3:39**
